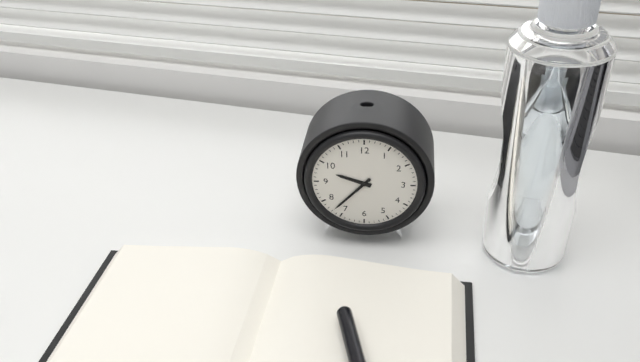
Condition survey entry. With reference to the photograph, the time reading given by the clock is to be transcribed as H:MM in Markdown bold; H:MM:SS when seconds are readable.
**9:37**
